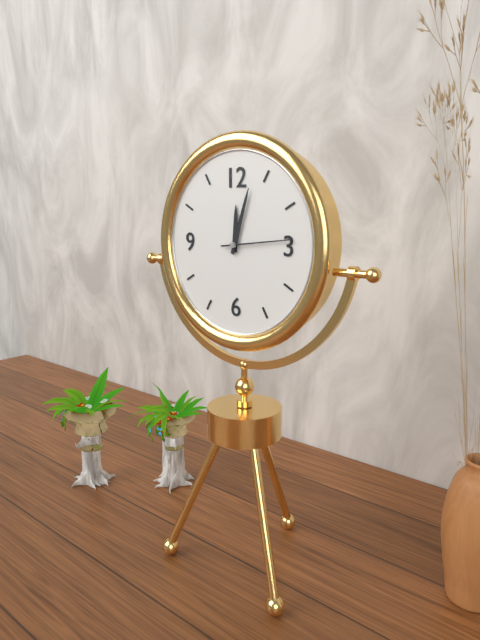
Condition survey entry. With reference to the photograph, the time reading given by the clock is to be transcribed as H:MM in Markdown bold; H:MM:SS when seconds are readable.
**12:03:14**
